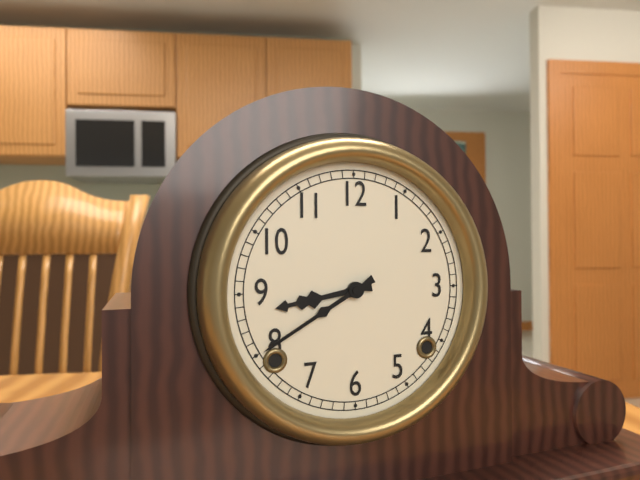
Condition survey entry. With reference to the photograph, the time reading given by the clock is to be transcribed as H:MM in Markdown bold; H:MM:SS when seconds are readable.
**8:40**
